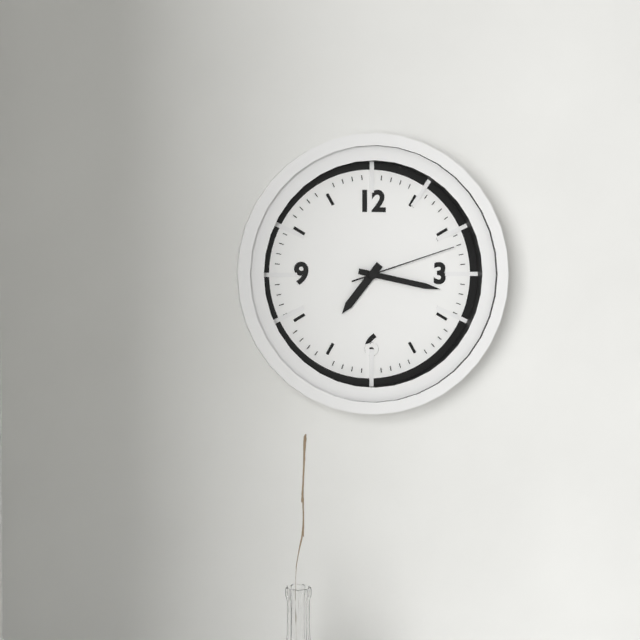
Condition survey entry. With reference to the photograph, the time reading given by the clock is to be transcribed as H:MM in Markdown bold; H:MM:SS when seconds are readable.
**7:17:12**
